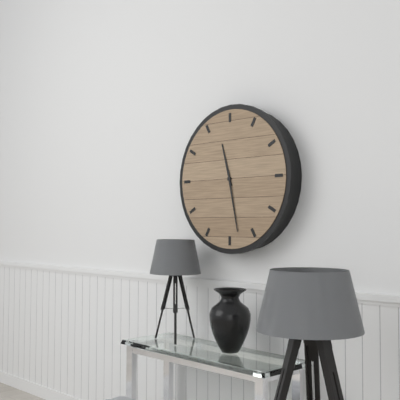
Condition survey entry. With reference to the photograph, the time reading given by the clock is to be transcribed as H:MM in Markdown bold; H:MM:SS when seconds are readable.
**11:28**
